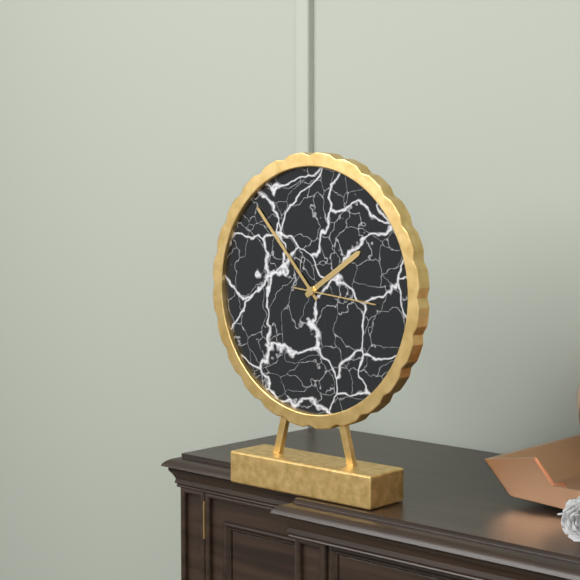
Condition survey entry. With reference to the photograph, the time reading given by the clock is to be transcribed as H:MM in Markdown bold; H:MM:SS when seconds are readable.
**1:53:16**
